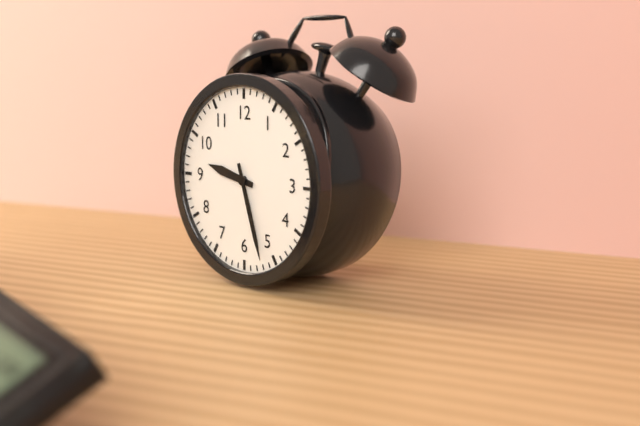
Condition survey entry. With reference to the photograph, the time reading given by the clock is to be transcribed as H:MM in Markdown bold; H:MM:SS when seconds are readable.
**9:27**
